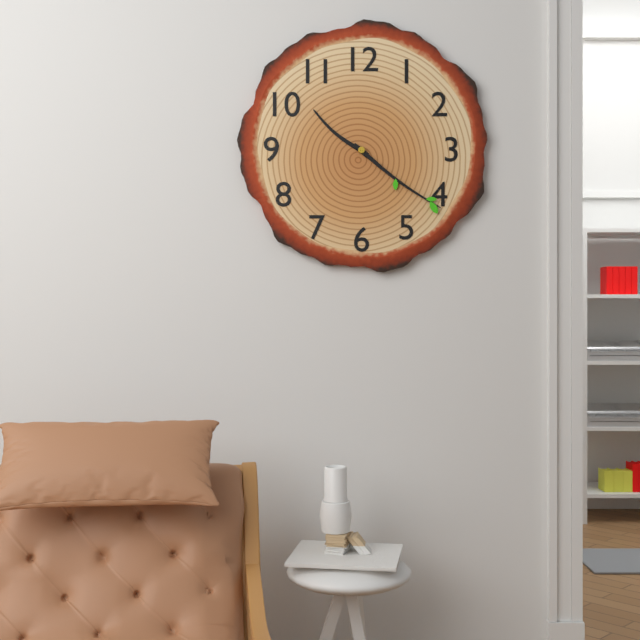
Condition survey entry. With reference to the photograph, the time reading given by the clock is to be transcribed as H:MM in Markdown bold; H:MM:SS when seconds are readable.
**10:21**
